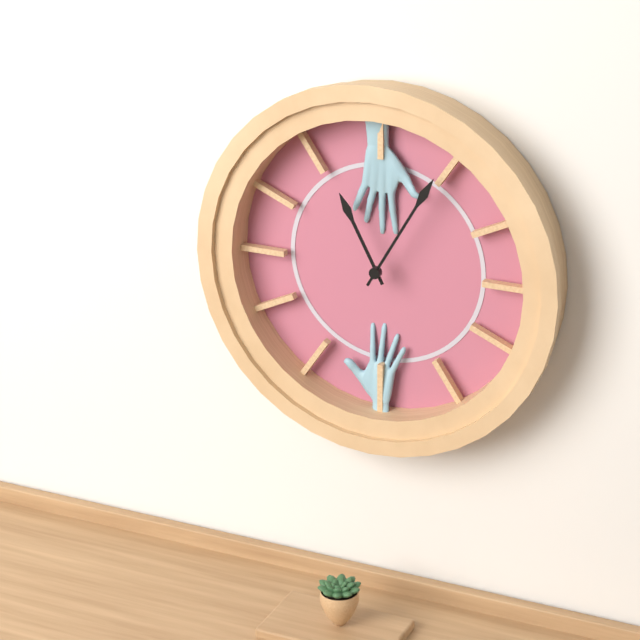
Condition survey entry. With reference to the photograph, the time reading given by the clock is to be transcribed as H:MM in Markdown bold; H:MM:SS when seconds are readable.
**11:05**
